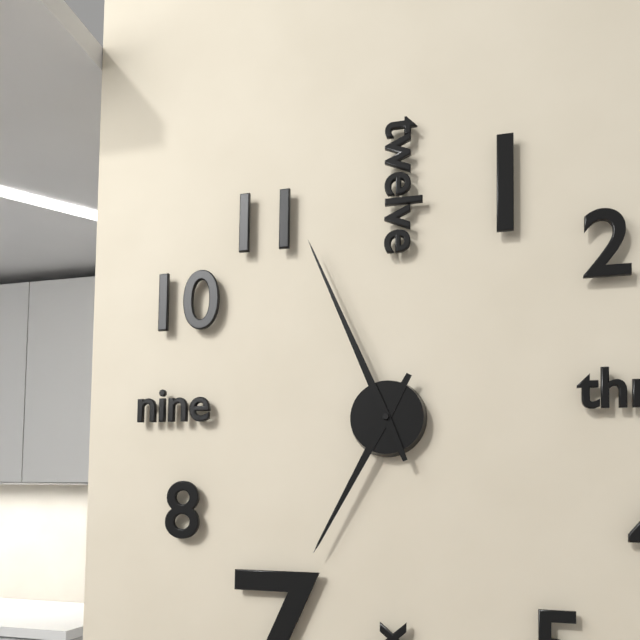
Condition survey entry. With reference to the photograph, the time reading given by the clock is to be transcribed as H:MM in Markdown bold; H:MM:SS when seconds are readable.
**6:56**
